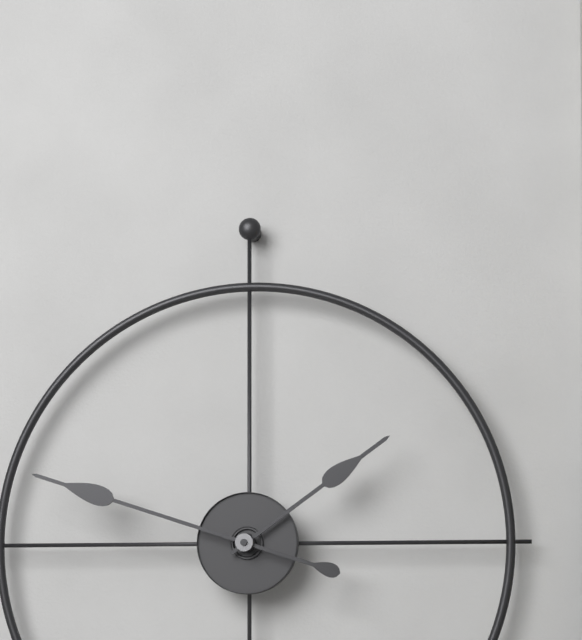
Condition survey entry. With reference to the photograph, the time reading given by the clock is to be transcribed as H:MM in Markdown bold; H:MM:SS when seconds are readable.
**1:48**
